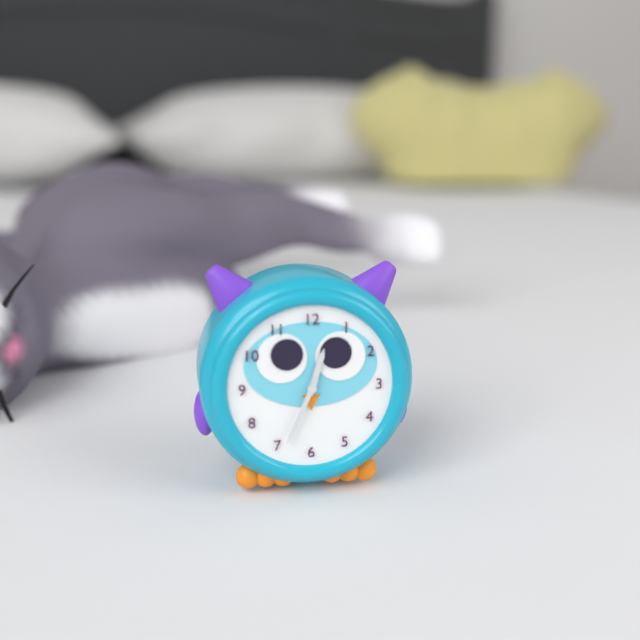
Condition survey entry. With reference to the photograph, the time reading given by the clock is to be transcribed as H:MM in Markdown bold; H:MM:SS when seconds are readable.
**12:34**
